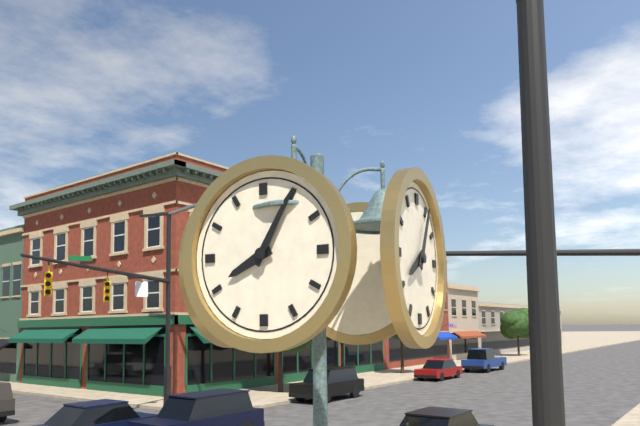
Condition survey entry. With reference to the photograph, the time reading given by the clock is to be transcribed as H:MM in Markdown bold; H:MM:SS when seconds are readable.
**8:05**
